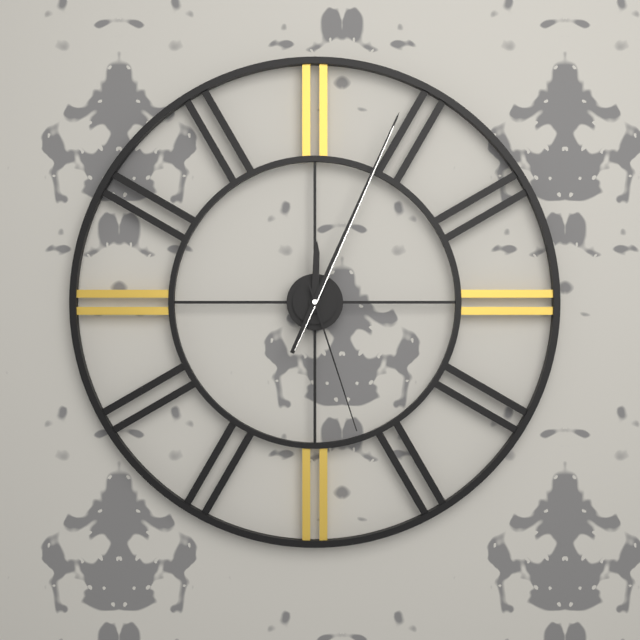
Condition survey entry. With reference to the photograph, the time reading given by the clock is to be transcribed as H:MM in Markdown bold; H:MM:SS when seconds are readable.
**12:04:27**
